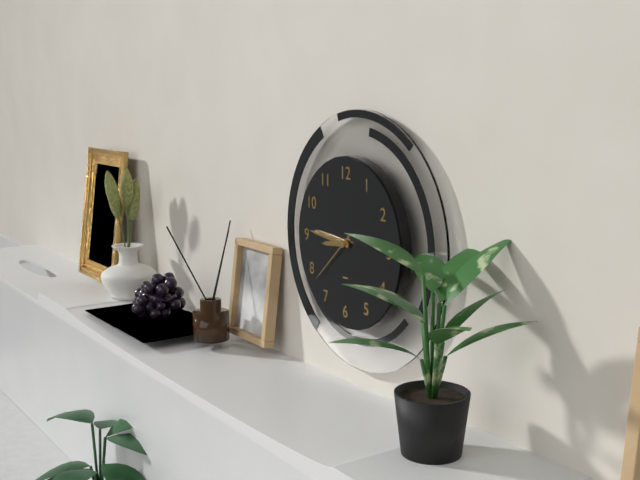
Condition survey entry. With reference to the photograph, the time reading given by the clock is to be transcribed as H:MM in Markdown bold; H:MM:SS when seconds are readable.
**8:46:38**
